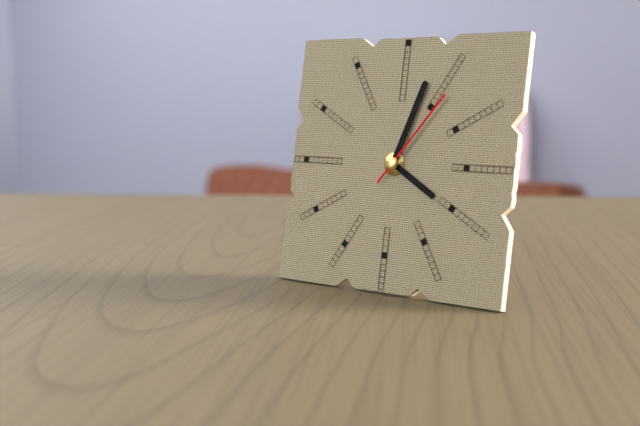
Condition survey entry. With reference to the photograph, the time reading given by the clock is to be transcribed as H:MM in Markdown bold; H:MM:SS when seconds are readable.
**4:03:06**
